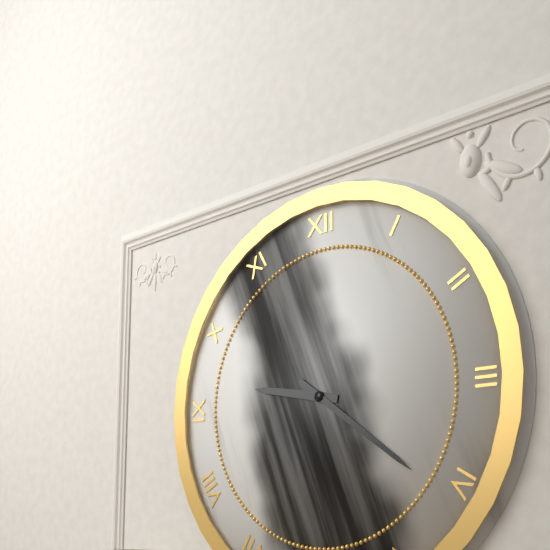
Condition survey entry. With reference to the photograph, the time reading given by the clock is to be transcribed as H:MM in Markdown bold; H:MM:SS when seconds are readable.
**9:21**
